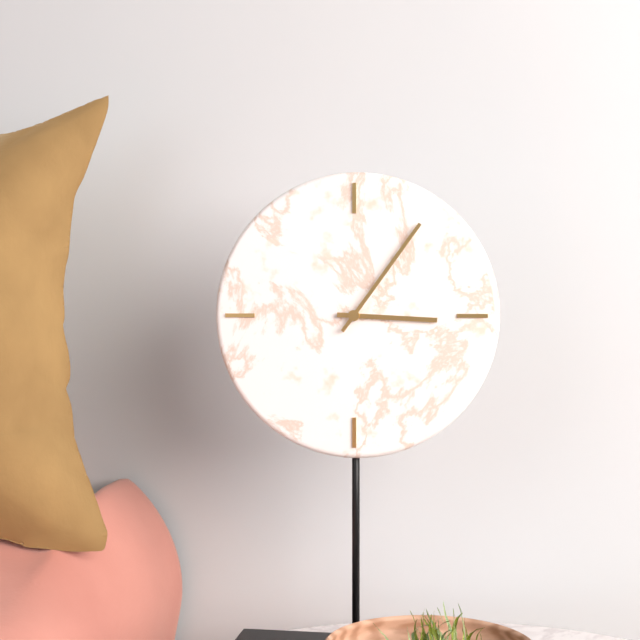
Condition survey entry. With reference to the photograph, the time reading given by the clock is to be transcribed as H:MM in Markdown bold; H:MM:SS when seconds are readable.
**3:06**
